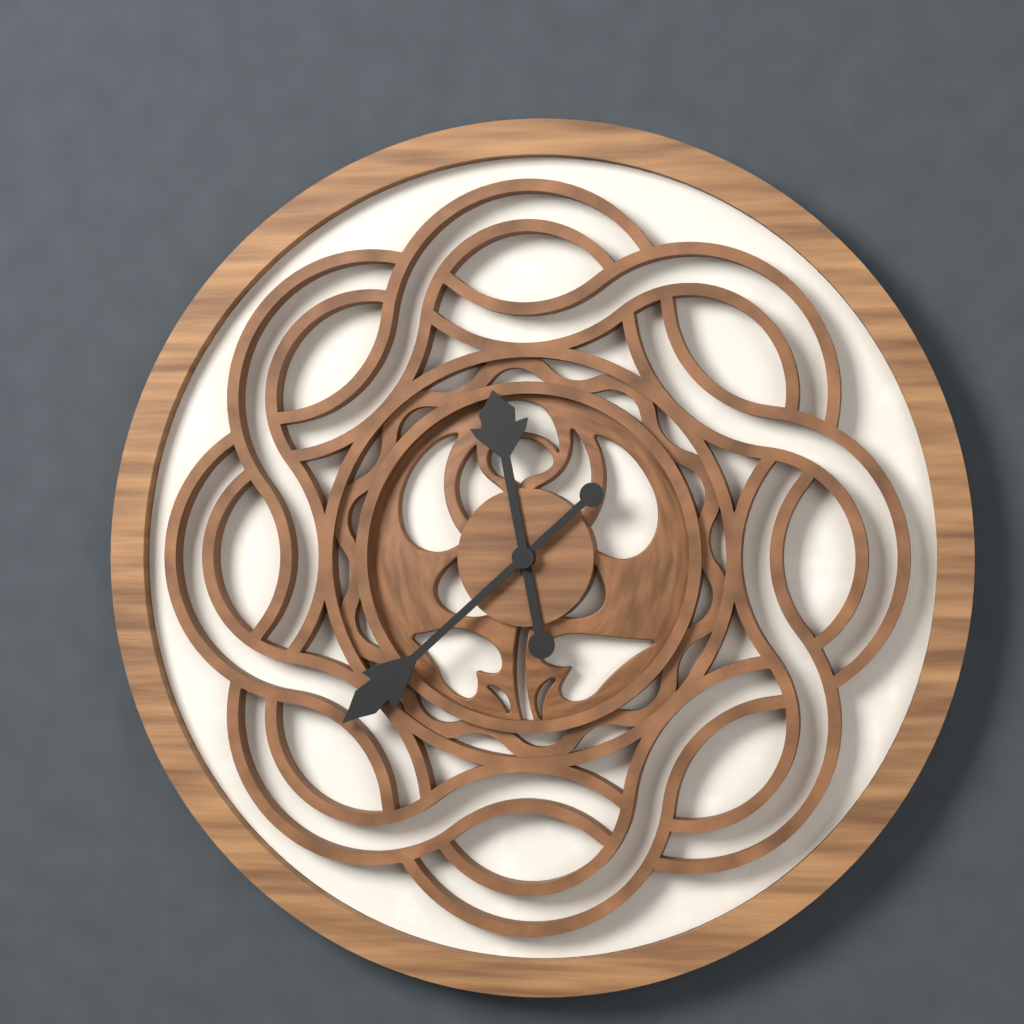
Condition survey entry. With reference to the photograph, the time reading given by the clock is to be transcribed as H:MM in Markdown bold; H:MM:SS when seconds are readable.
**11:38**
